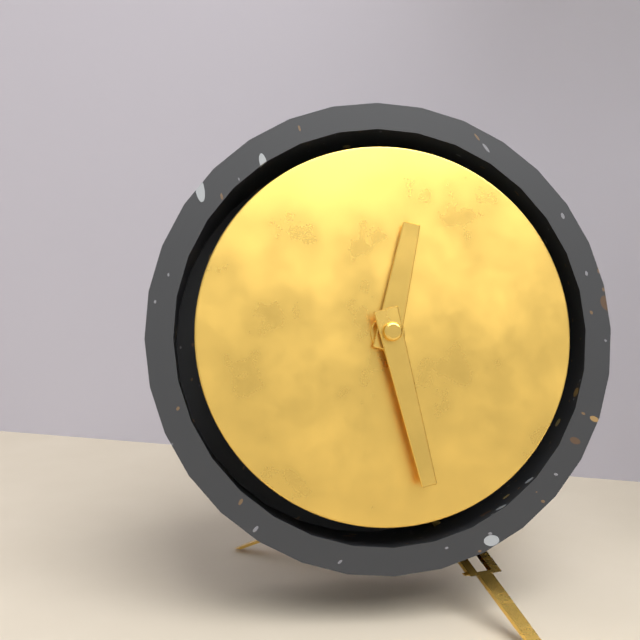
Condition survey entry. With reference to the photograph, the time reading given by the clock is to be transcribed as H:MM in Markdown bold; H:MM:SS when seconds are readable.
**12:28**
